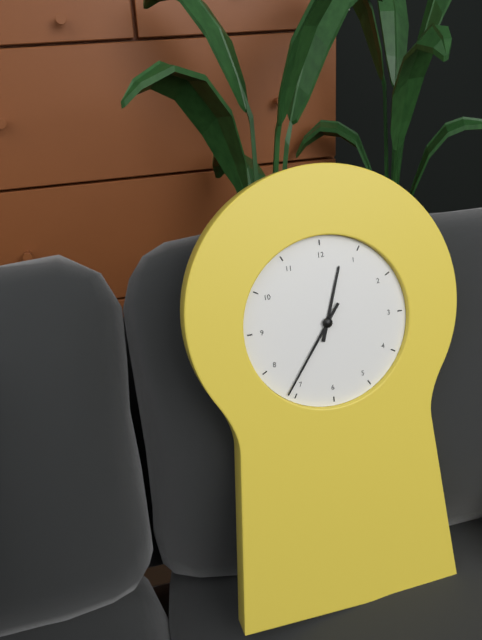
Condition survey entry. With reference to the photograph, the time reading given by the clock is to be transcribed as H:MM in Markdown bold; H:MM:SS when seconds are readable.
**12:36**
